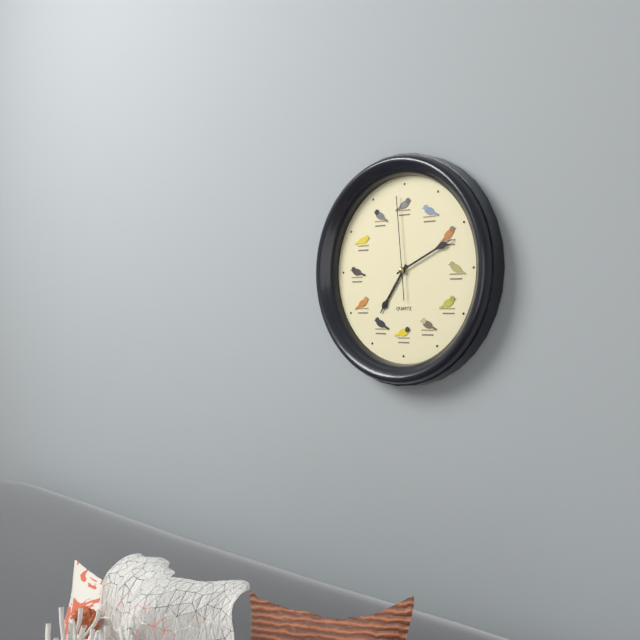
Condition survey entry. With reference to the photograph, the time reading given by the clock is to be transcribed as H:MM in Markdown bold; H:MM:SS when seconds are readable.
**7:11:59**
